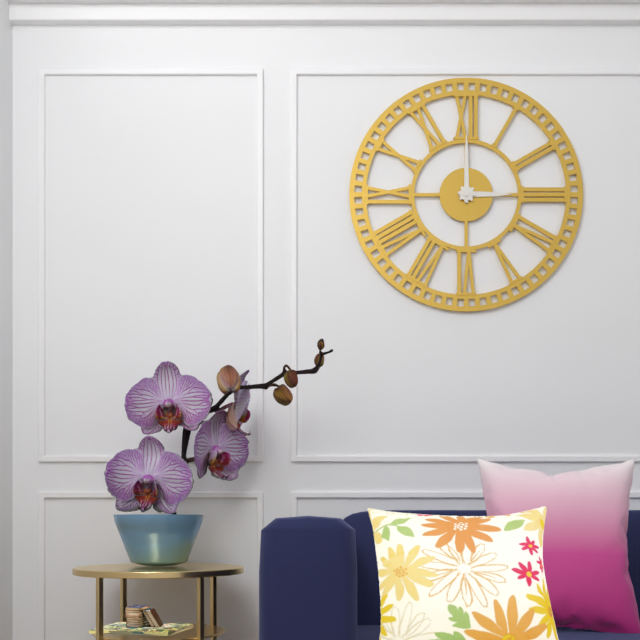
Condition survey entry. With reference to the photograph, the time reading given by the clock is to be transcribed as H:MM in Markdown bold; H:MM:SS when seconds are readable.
**3:00**
